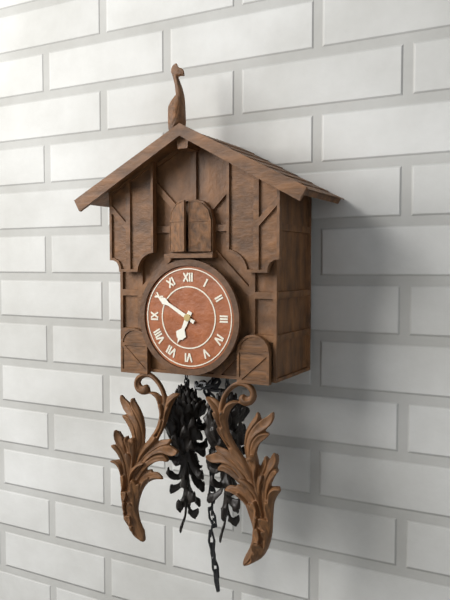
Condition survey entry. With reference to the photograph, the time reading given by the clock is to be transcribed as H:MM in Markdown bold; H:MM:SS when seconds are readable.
**6:50**
